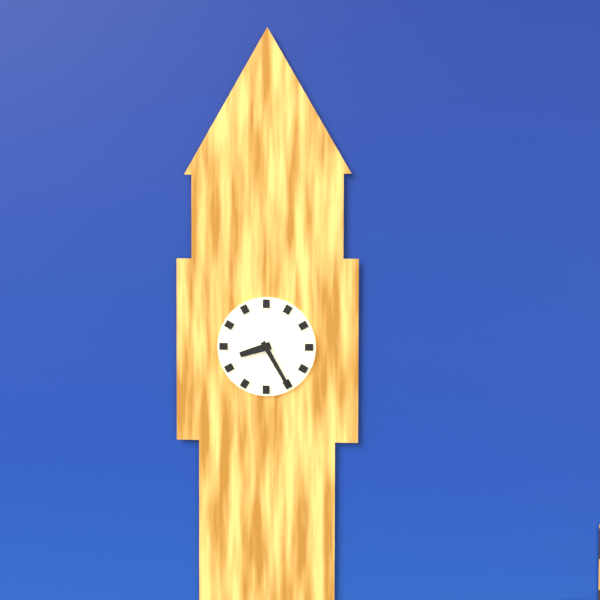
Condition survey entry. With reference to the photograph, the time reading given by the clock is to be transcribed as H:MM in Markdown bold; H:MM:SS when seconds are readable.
**8:25**
